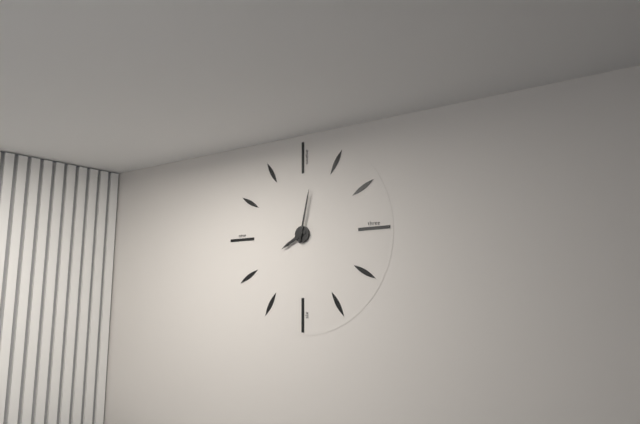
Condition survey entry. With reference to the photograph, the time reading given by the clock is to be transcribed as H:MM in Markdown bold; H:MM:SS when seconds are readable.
**8:02**
